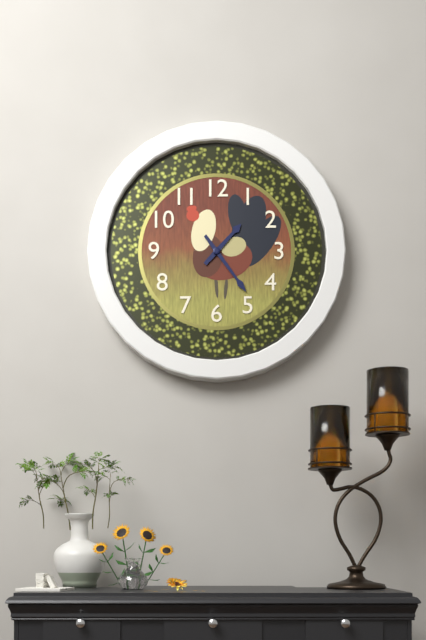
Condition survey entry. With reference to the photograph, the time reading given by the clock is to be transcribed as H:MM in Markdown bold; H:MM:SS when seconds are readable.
**1:24**
